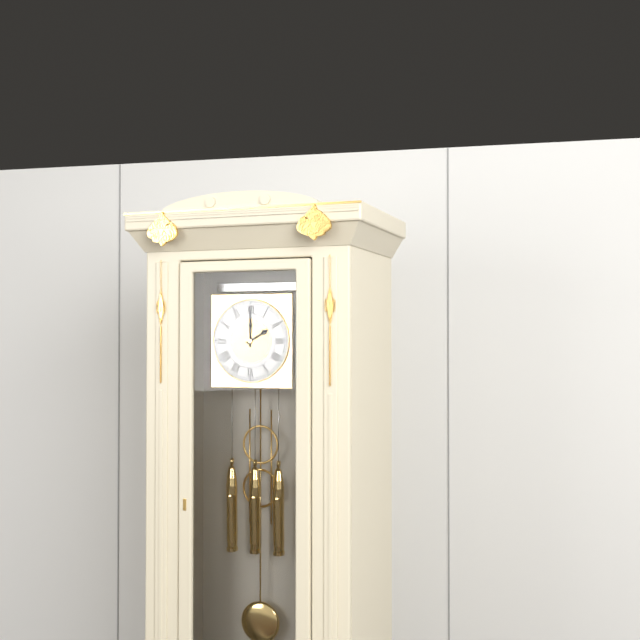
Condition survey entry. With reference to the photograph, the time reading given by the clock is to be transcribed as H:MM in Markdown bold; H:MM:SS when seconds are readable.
**2:00**
